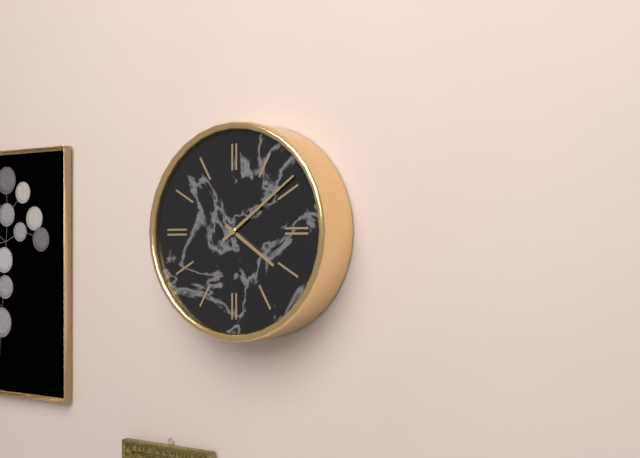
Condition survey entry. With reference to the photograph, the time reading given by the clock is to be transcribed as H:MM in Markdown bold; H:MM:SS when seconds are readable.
**4:09**
